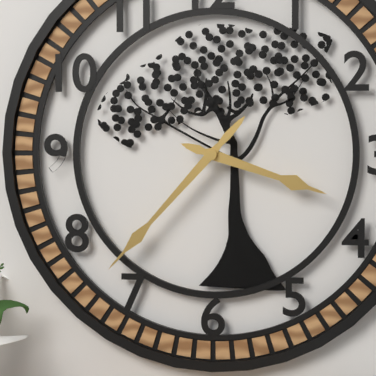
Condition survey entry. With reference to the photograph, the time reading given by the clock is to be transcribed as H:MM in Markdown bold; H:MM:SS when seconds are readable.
**3:37**
